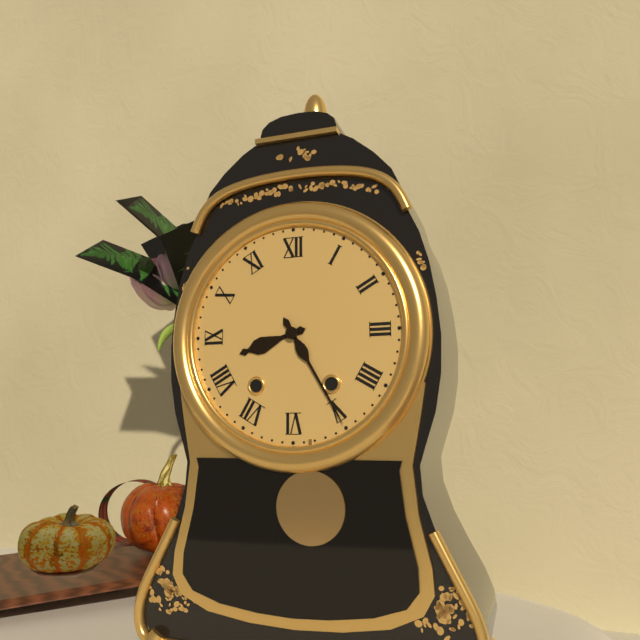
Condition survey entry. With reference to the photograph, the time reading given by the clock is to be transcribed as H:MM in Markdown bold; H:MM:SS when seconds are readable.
**8:25**
